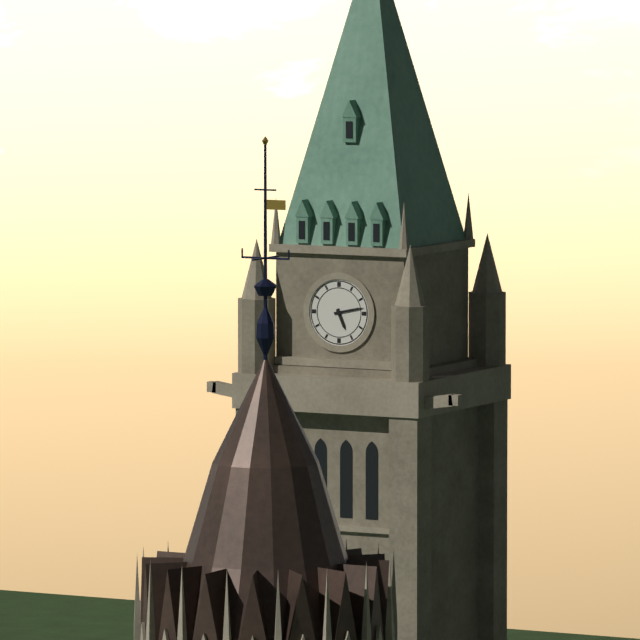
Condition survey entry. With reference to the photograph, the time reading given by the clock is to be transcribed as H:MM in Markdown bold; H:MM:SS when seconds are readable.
**5:13**
